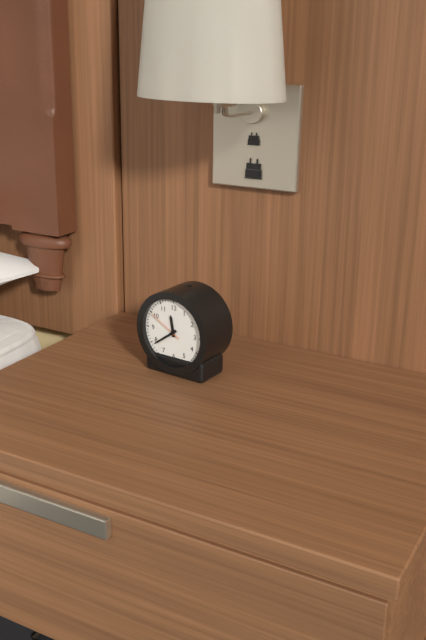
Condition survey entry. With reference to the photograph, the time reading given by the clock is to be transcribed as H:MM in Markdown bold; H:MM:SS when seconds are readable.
**11:39**
